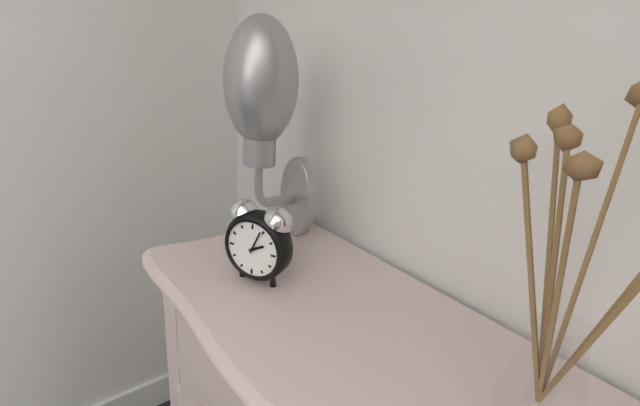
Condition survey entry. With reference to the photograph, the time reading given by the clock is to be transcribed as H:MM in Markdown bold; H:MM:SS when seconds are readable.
**2:04**
